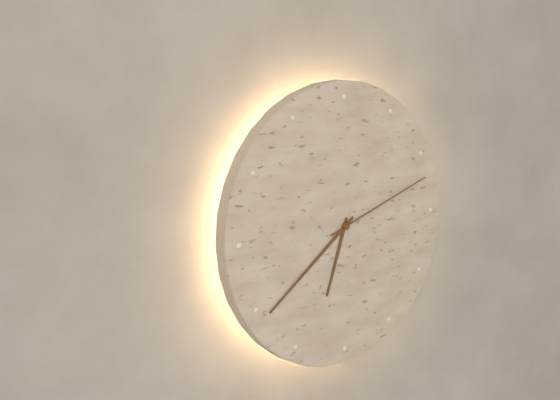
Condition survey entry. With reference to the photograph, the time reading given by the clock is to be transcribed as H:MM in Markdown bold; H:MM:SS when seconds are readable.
**6:39:12**
